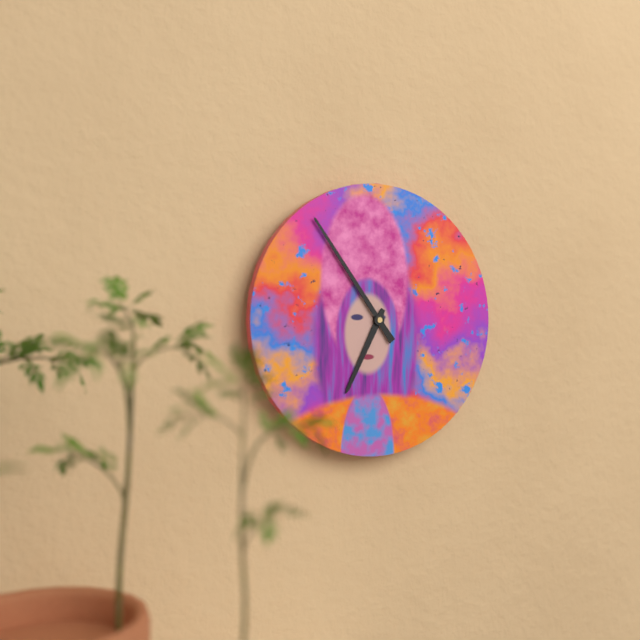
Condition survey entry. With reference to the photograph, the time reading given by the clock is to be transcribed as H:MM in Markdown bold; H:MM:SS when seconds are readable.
**6:54**
